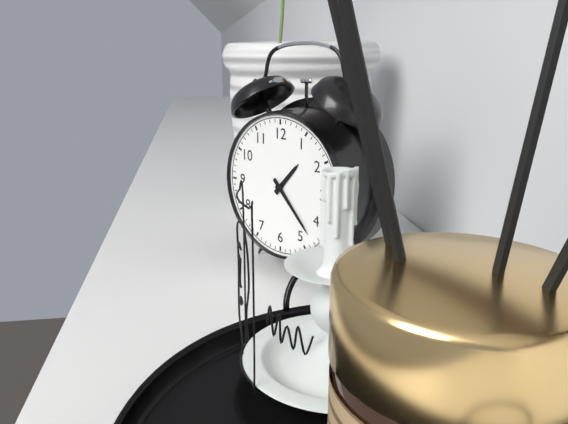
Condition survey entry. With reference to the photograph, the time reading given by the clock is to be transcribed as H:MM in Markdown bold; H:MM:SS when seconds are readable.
**1:23**
